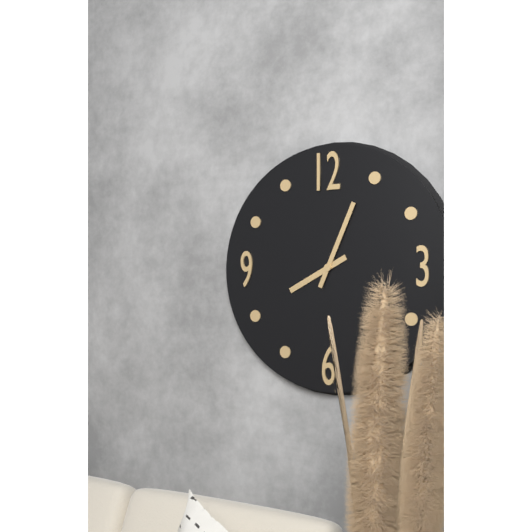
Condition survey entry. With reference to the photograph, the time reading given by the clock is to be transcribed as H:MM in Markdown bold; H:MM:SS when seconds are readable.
**8:04**
